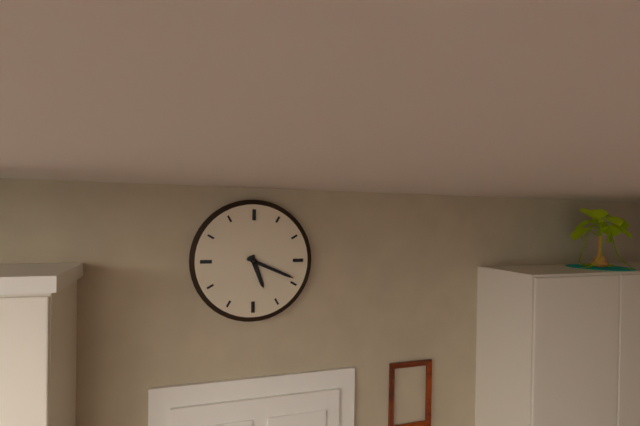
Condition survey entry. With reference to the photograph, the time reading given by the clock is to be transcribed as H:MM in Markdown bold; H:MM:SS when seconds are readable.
**5:19**
